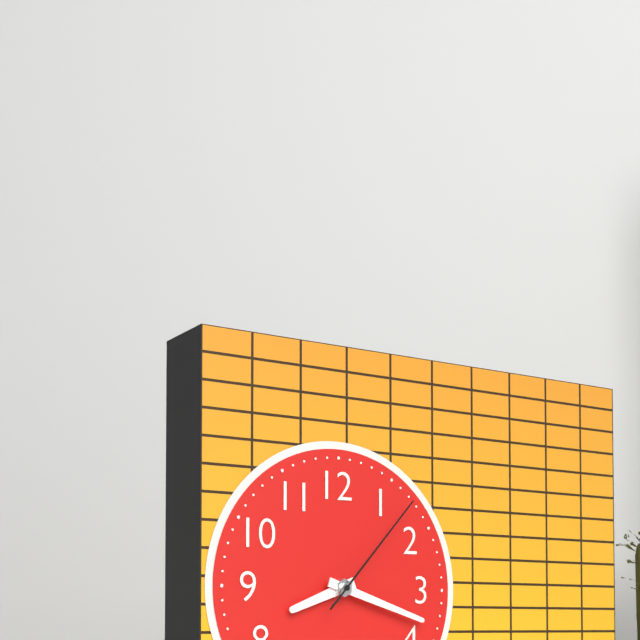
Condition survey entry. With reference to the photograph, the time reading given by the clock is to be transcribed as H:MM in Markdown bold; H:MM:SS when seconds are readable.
**8:18:07**
